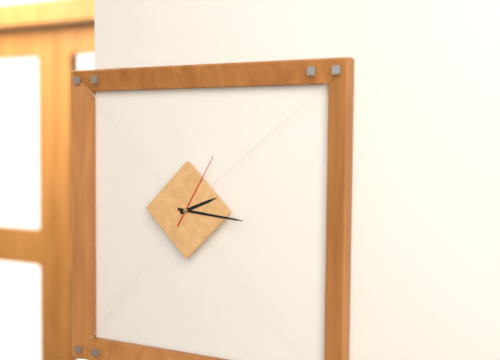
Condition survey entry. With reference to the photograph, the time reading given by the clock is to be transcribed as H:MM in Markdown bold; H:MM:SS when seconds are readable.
**2:16:05**
